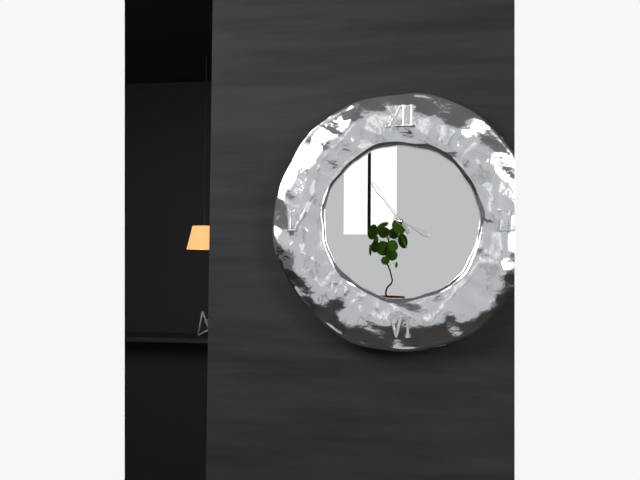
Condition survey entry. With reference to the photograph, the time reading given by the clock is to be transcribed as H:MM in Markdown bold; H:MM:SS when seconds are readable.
**3:54**
